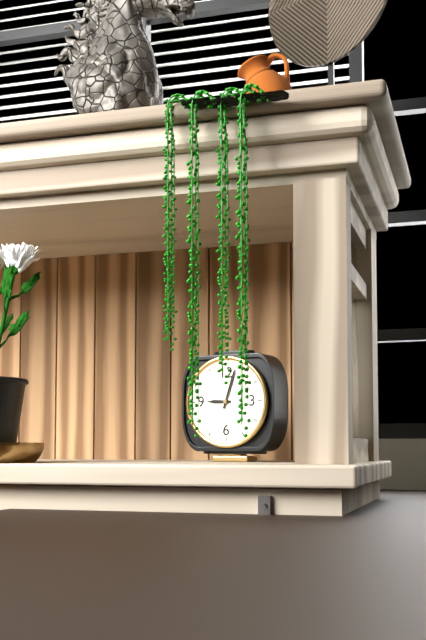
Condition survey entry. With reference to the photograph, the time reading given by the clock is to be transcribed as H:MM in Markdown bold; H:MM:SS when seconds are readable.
**9:03**
